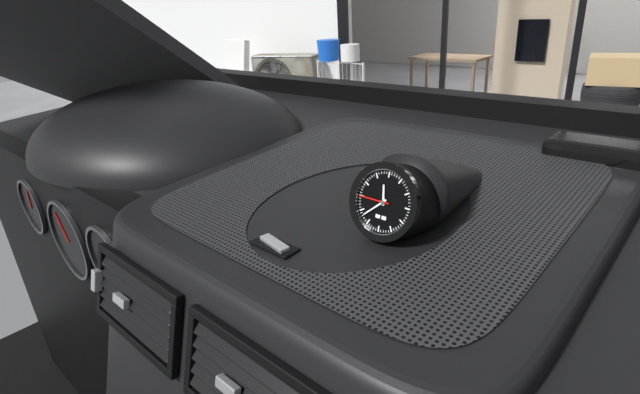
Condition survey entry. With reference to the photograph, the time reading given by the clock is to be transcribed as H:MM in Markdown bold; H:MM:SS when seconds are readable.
**11:38**
